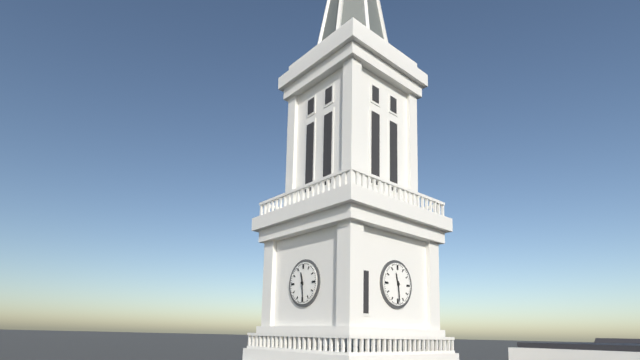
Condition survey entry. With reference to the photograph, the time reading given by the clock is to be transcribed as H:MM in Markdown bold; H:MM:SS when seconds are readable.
**11:29**
